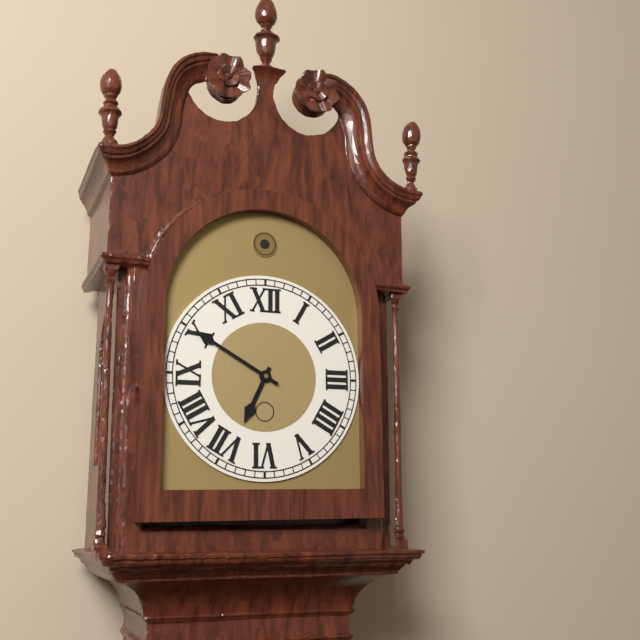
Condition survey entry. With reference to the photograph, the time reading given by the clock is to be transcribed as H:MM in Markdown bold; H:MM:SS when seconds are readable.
**6:50**
